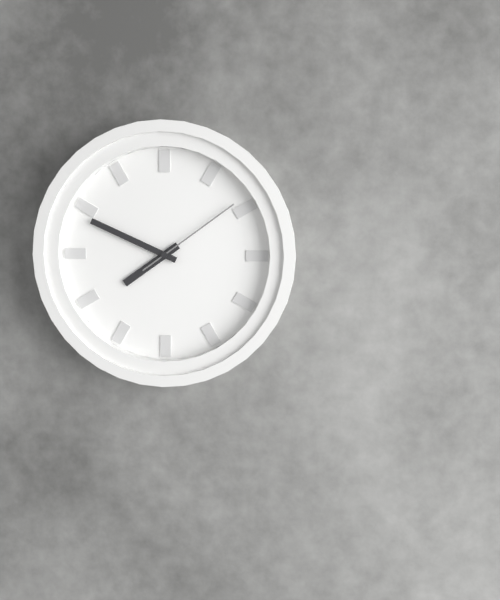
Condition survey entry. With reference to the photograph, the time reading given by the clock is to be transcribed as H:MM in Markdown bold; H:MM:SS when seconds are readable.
**7:49:09**
